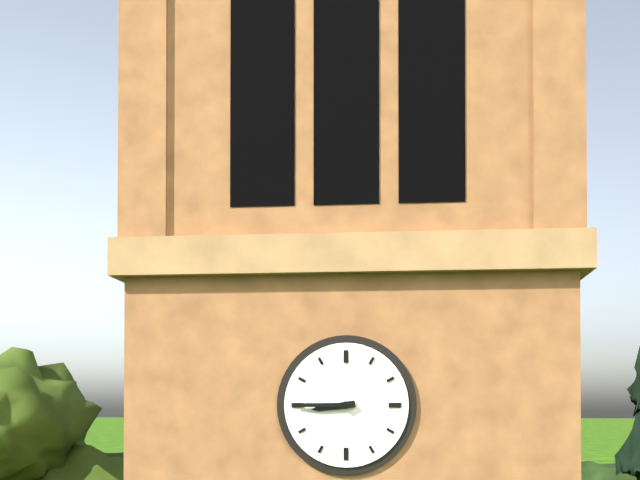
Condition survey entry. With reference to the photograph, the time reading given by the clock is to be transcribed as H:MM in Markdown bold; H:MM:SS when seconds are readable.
**8:45**
